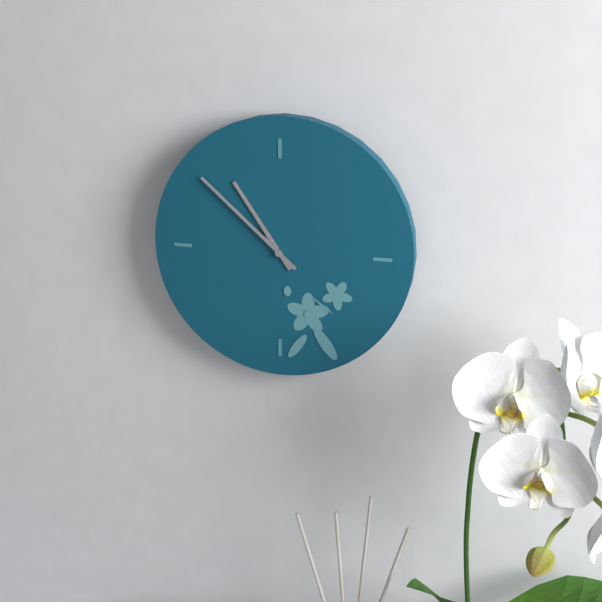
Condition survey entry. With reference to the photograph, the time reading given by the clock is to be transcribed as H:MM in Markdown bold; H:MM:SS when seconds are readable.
**10:52**
